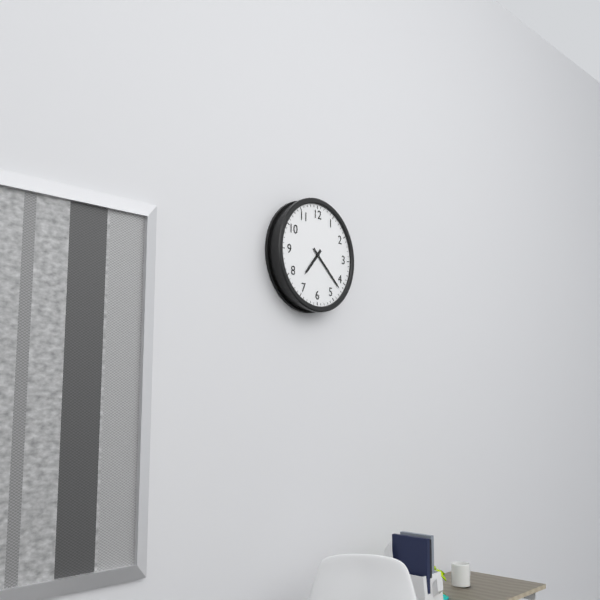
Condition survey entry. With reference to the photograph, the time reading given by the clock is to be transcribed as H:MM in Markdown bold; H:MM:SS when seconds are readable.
**7:22**
